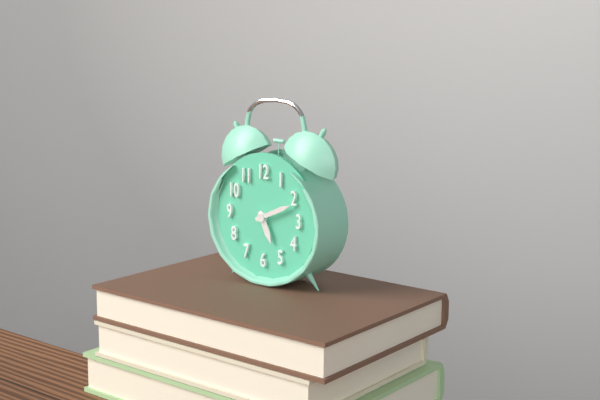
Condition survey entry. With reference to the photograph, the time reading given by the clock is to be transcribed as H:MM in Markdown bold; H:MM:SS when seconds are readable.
**5:11**
